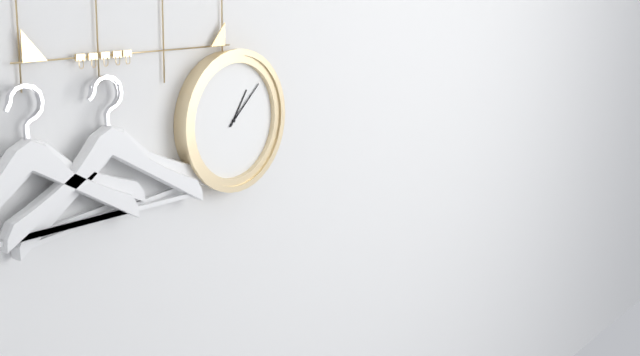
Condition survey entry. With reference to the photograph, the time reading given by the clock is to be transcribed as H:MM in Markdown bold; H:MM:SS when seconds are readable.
**1:08**
